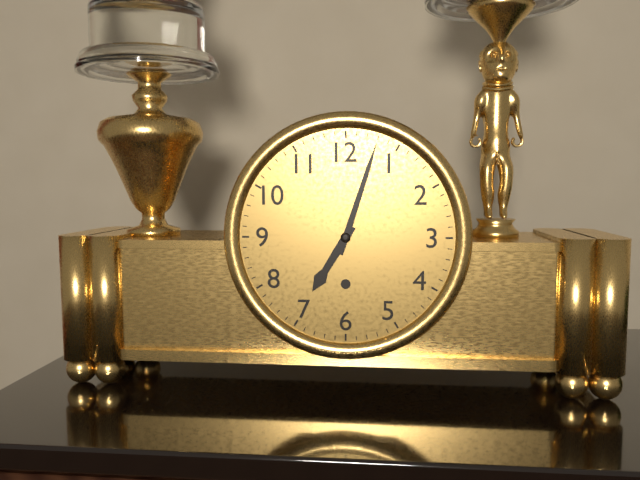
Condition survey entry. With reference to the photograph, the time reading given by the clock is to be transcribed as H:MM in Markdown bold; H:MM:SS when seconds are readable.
**7:03**
